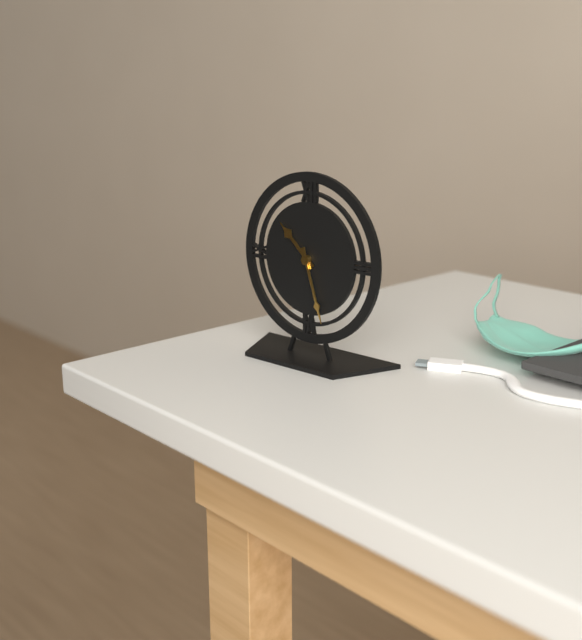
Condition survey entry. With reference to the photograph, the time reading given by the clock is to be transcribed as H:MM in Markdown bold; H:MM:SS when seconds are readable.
**10:27**
